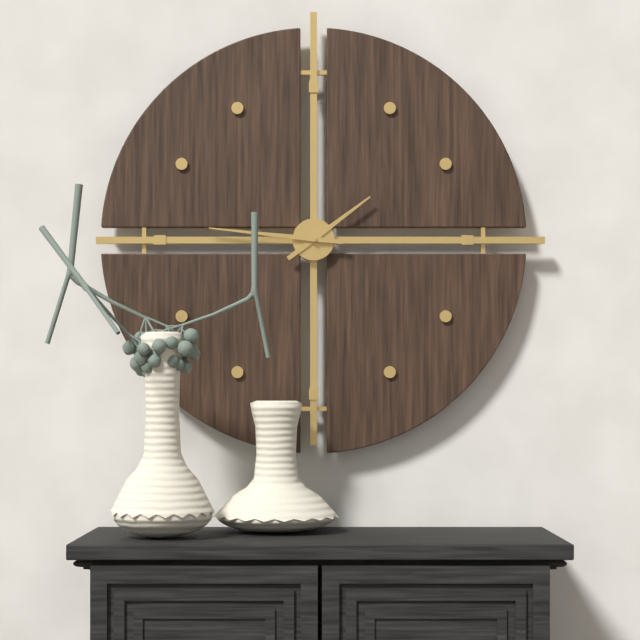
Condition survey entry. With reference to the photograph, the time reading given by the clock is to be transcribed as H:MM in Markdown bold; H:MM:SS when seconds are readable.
**1:46**
